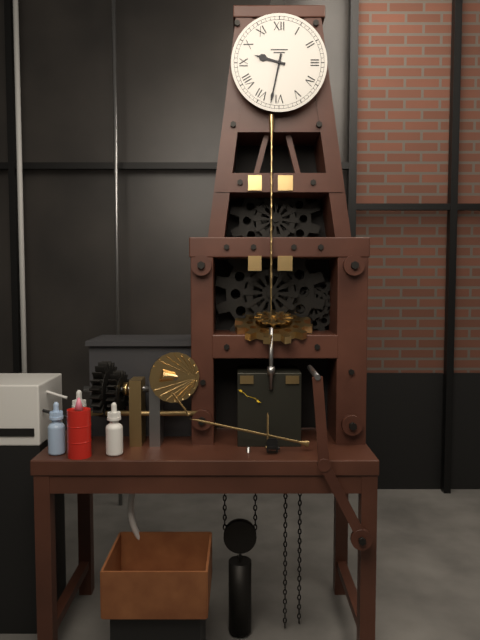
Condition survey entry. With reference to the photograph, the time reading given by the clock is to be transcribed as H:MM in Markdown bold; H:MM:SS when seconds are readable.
**9:32**
